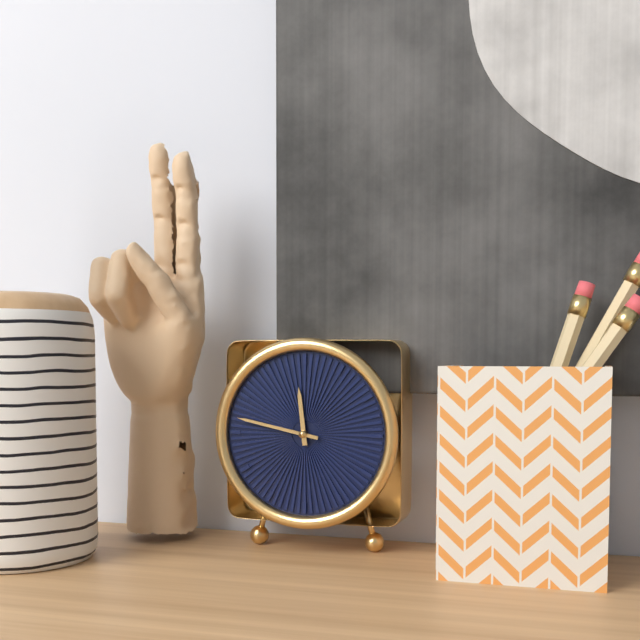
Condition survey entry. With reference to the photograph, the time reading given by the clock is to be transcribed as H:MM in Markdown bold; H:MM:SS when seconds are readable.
**11:47**
